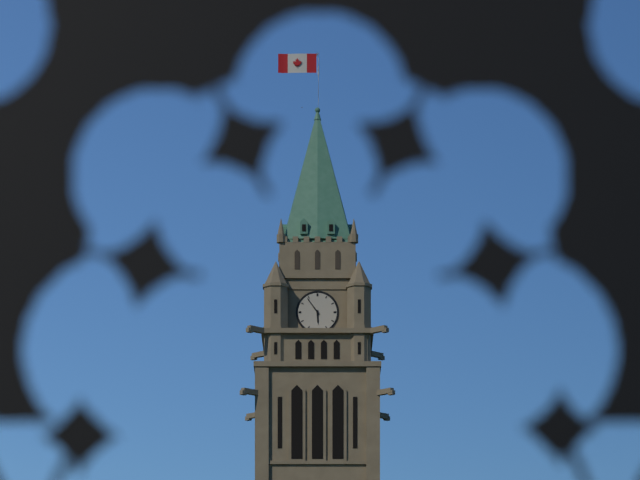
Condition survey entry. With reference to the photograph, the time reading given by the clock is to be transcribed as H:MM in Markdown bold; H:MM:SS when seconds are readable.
**5:54**
